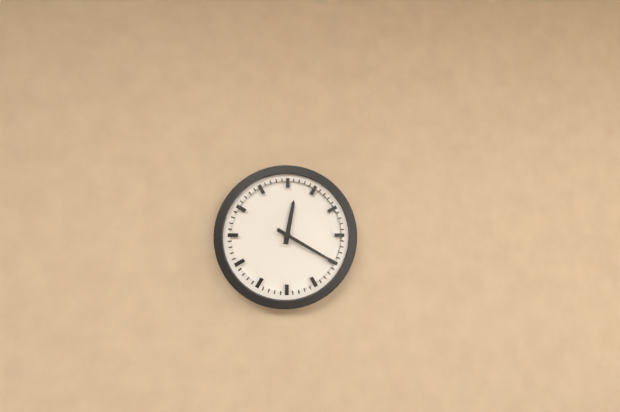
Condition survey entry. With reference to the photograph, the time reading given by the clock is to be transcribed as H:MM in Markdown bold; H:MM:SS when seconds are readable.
**12:20**
